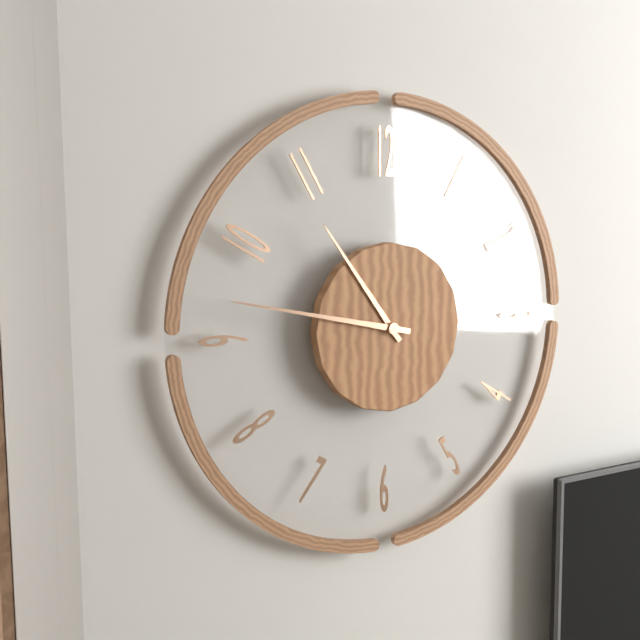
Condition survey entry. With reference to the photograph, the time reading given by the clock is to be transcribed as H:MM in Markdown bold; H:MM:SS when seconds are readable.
**10:47**
